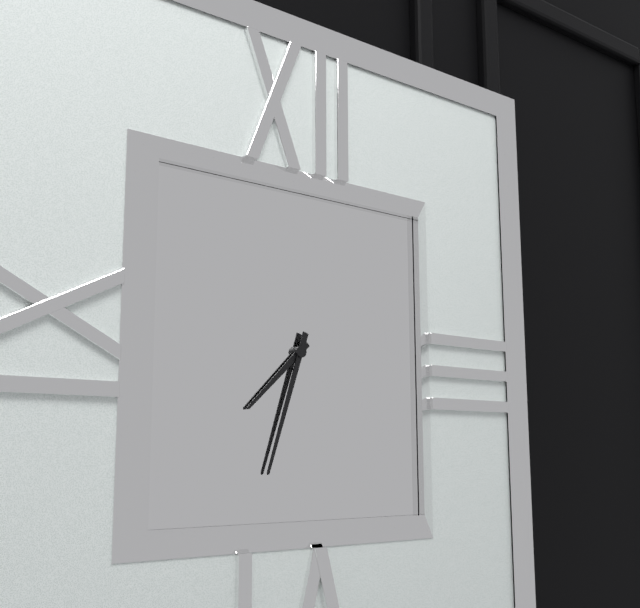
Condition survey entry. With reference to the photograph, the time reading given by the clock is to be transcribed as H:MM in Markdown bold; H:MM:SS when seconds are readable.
**7:33**
